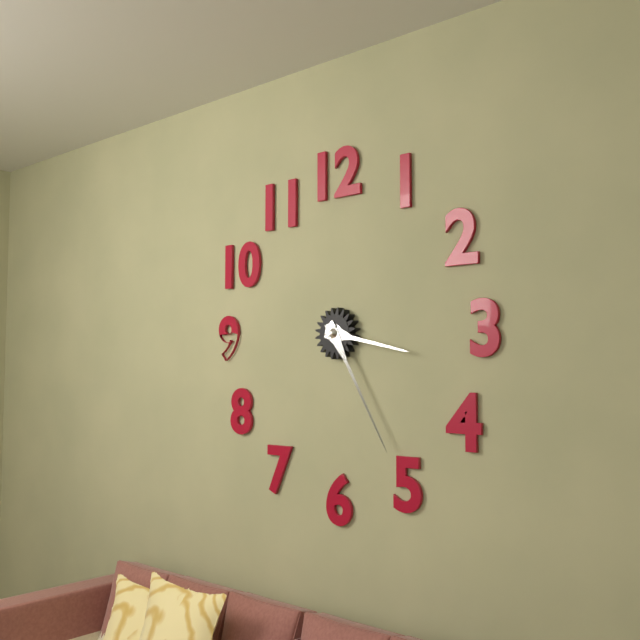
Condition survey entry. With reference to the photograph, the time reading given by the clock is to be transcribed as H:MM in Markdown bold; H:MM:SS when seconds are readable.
**3:25**
